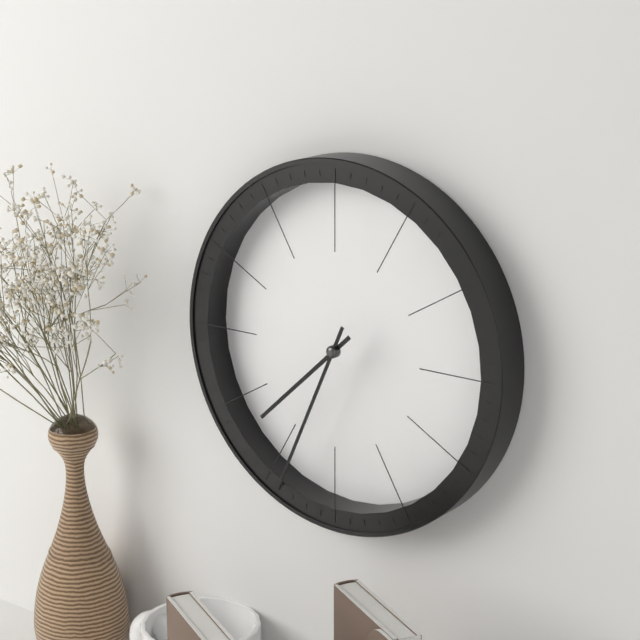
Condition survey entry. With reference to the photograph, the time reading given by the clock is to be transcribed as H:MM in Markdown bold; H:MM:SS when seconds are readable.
**7:34**
